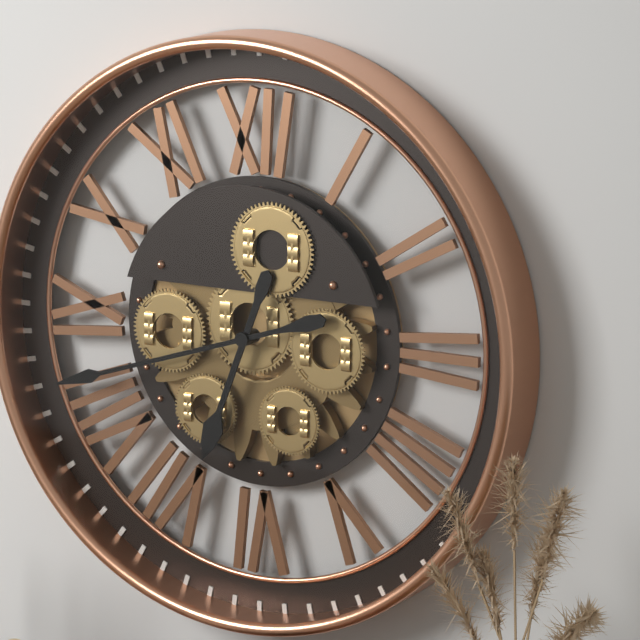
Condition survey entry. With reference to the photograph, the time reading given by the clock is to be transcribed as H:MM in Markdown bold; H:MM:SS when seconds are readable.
**6:42**
